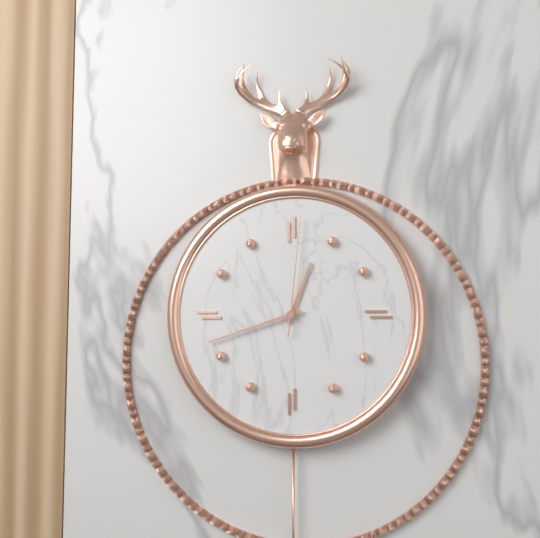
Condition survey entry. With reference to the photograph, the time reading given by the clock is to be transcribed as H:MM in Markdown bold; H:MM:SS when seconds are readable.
**12:42:01**
